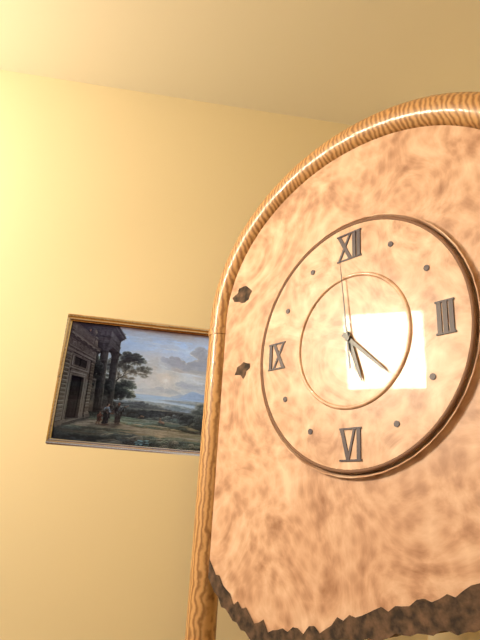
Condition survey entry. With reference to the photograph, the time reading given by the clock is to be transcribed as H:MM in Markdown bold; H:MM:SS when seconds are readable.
**5:22:59**
